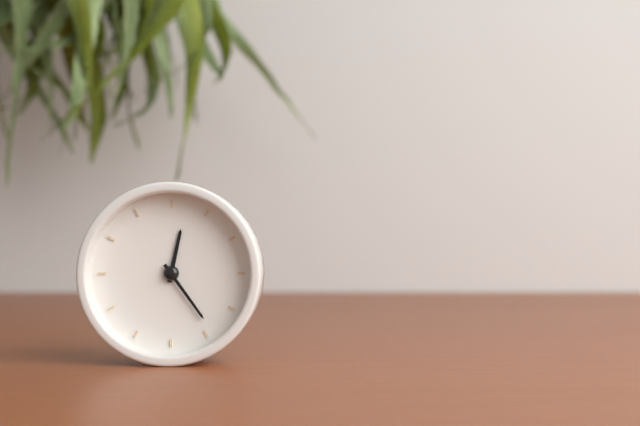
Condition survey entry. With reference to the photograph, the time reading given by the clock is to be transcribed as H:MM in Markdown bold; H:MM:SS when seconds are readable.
**12:24**
